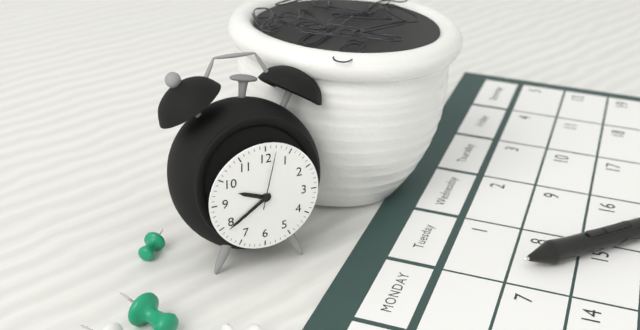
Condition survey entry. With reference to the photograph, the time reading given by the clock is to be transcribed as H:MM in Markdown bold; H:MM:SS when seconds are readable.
**9:39:02**
